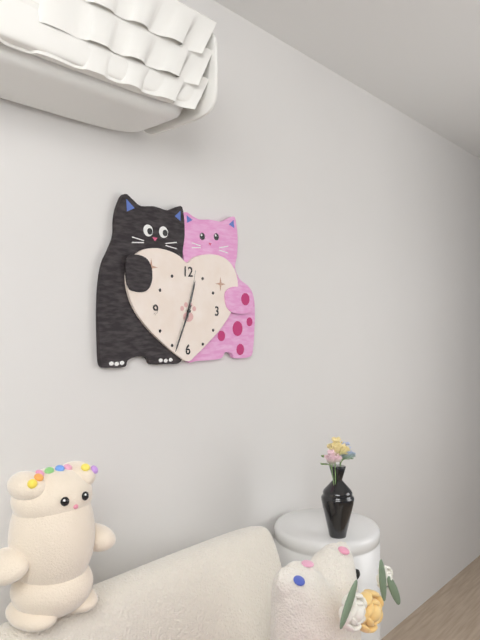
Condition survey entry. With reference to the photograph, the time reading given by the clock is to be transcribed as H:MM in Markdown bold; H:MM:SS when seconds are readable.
**12:34:02**
